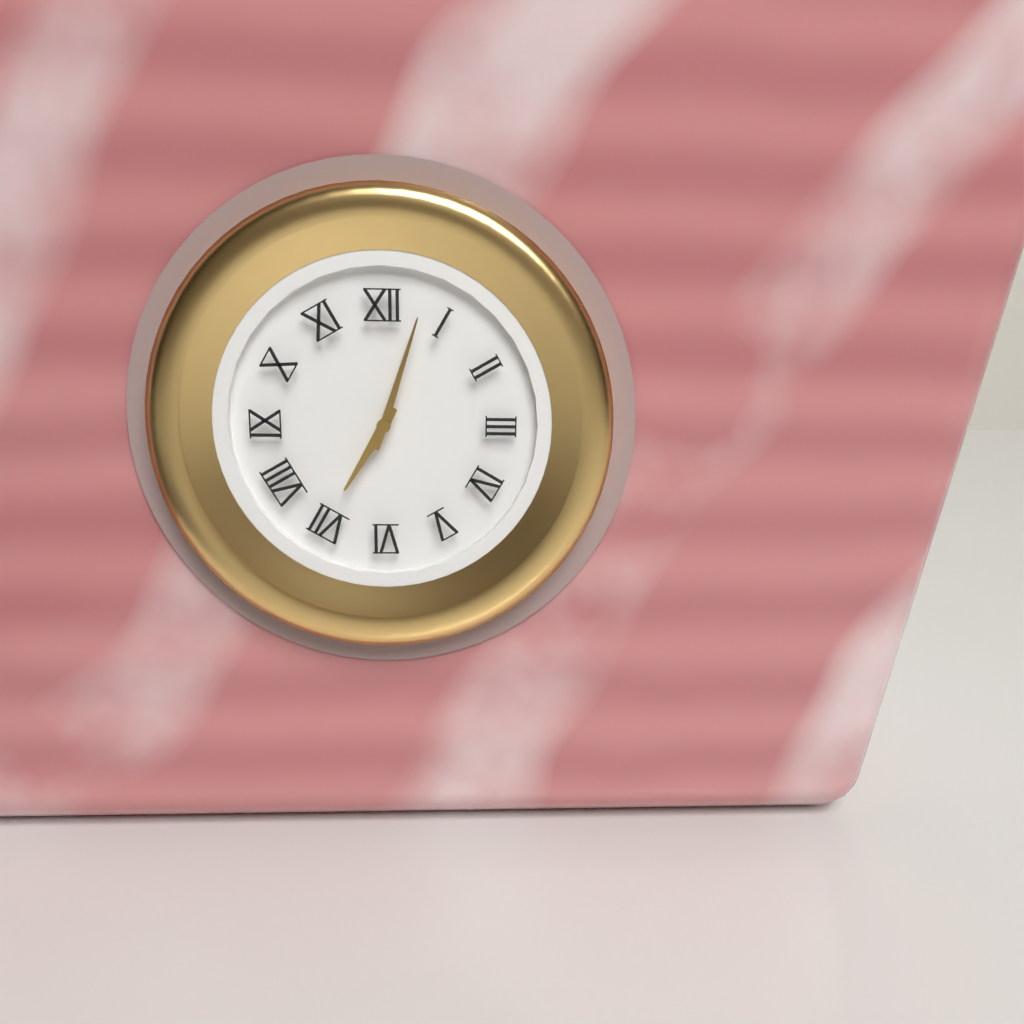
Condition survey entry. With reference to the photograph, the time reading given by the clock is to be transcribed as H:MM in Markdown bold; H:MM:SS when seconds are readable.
**7:03**
